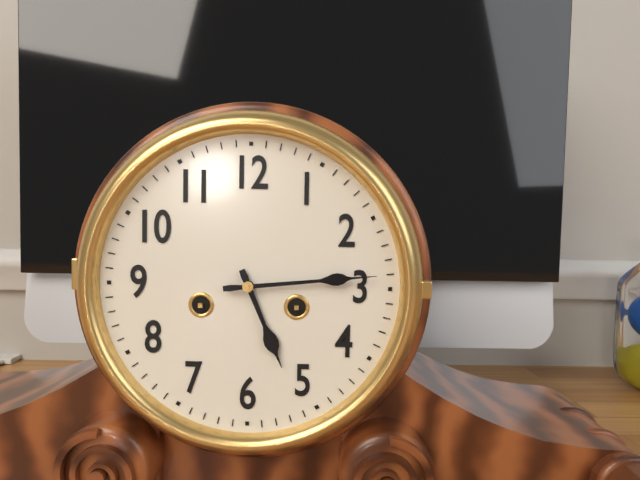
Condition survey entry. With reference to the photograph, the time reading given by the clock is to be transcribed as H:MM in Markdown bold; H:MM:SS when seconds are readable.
**5:14**
